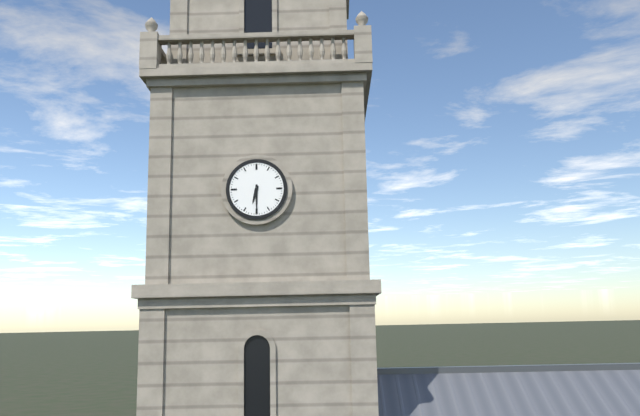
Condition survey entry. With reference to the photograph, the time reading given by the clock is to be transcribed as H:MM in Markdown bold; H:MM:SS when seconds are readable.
**6:30**
